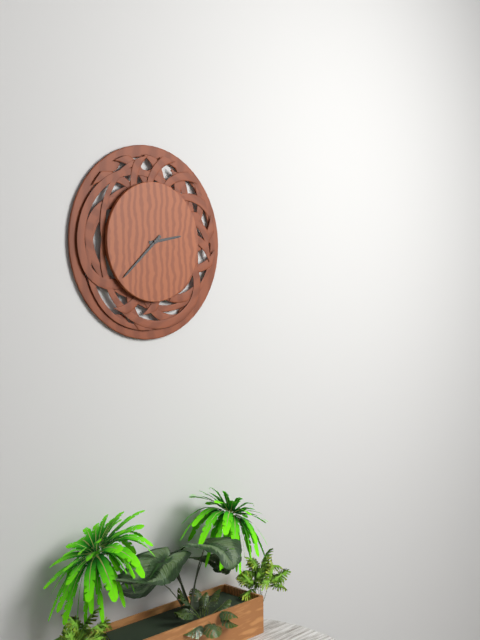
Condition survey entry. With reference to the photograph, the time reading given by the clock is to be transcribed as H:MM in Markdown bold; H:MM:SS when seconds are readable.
**2:38**
